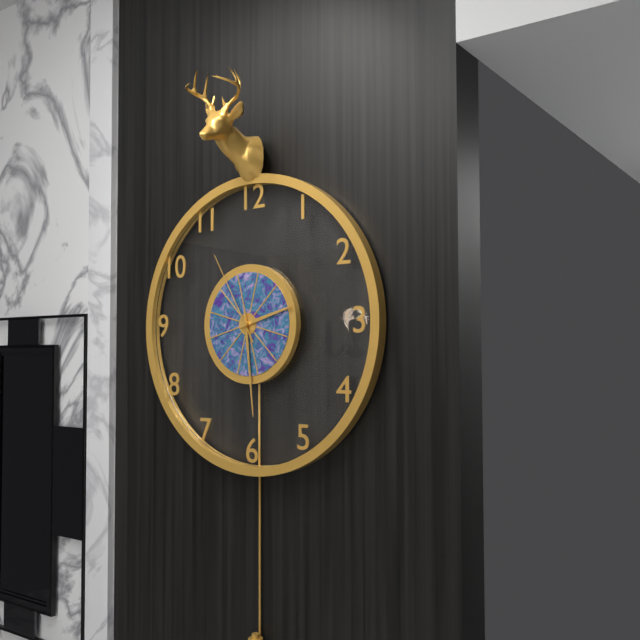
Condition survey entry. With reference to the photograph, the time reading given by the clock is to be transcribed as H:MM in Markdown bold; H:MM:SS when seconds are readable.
**2:29:55**
